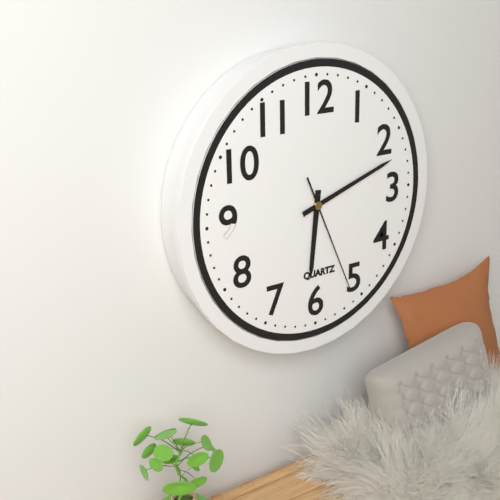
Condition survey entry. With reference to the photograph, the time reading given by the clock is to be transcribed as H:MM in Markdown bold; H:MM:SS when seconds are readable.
**6:12:26**
